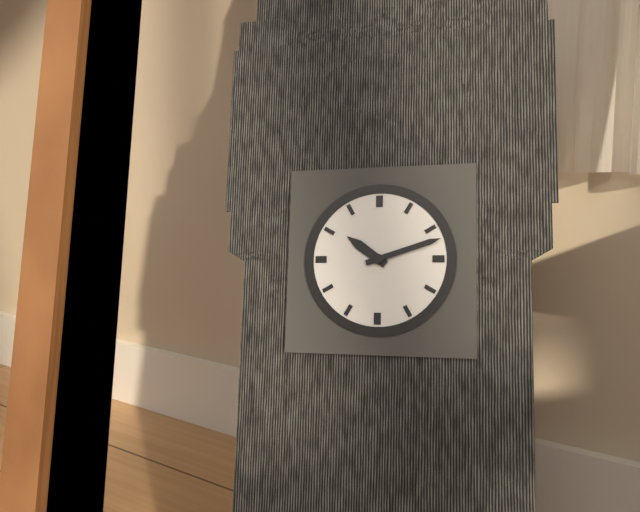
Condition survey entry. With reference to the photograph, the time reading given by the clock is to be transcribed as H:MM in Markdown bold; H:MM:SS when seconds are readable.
**10:12**
